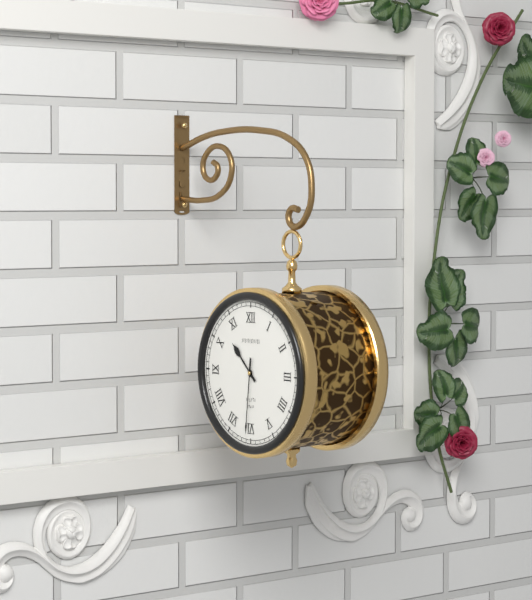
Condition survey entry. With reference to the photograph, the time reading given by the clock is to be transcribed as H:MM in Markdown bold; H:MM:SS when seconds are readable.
**10:31**
